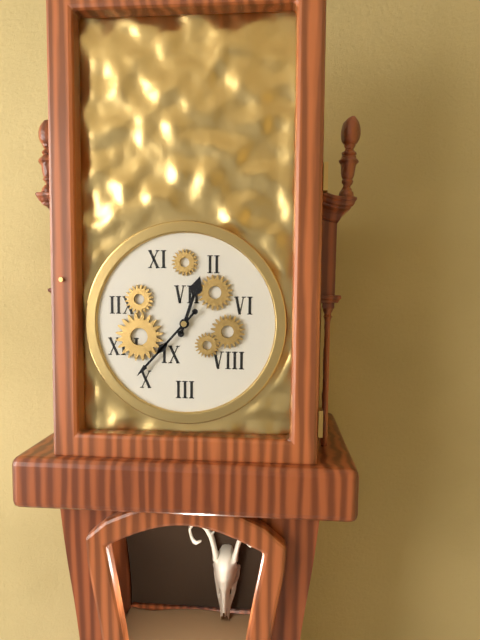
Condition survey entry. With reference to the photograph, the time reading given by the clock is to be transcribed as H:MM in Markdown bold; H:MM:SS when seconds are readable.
**12:37**
